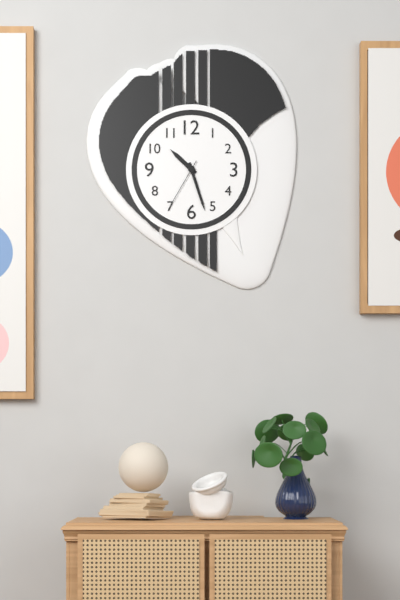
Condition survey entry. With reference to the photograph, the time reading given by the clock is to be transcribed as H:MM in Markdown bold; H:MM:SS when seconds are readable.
**10:27:35**
